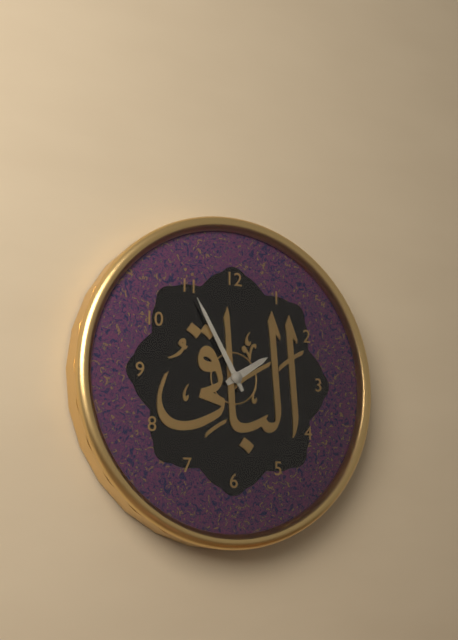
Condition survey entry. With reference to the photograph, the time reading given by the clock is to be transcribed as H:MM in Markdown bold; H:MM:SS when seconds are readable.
**1:55**
